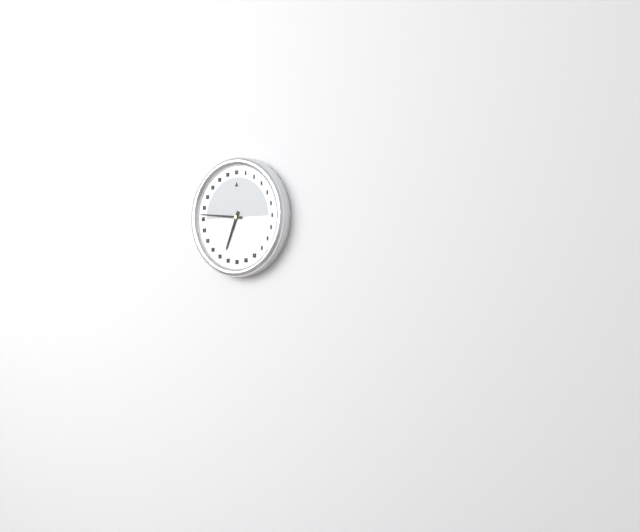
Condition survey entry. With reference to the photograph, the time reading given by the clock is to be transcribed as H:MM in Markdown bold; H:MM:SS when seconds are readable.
**6:46**
